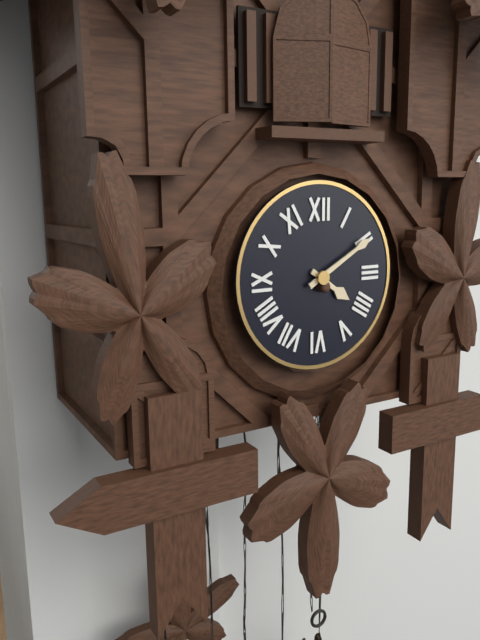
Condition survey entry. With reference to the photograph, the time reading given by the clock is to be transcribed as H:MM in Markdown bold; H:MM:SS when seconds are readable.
**4:10**
